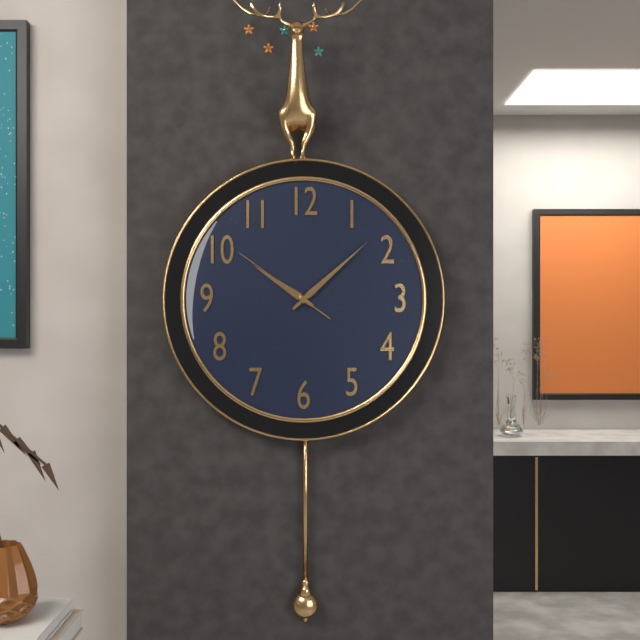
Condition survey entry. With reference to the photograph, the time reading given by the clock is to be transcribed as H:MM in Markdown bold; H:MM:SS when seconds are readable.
**10:08:51**
